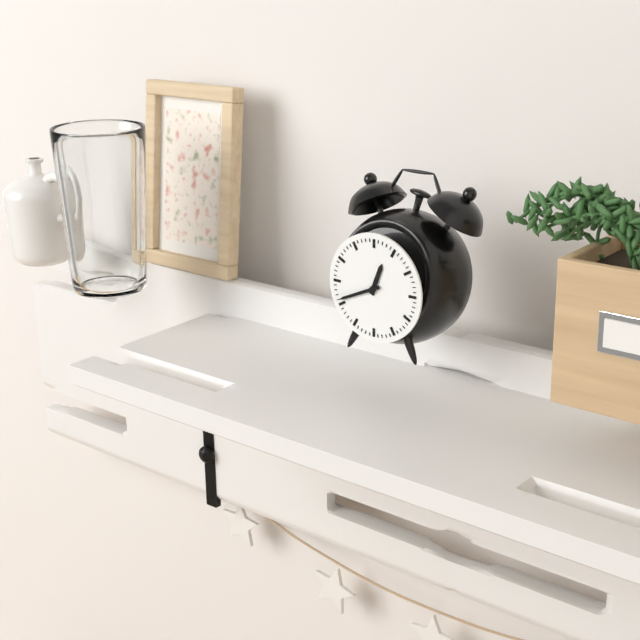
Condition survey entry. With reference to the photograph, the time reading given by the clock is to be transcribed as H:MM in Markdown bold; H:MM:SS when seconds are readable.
**12:41**
